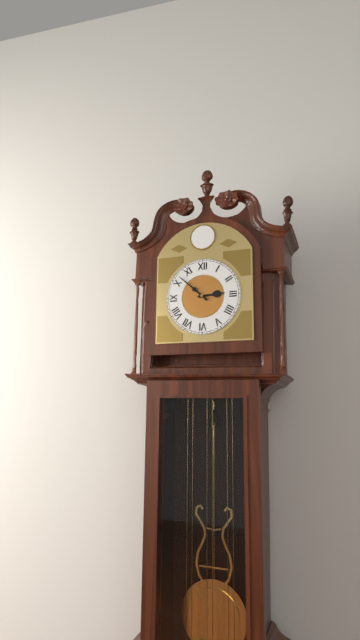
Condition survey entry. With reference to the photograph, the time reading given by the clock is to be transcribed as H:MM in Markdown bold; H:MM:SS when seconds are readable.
**2:52**
